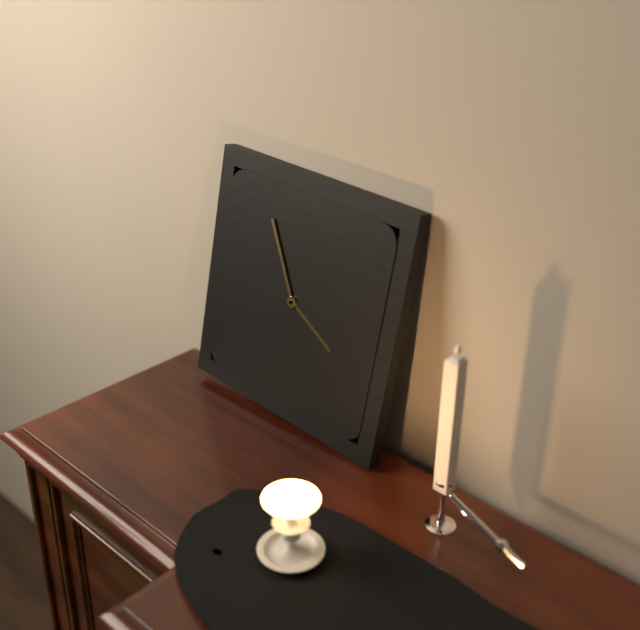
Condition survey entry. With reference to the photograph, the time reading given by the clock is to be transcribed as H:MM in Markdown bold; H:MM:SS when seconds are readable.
**3:55**
